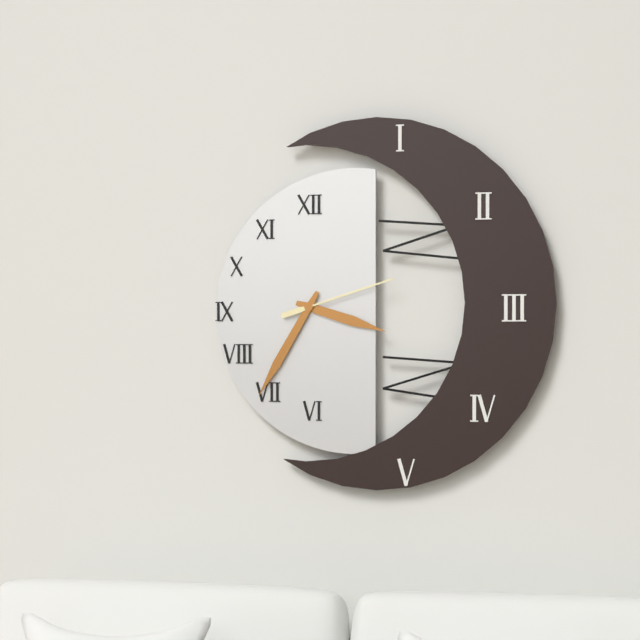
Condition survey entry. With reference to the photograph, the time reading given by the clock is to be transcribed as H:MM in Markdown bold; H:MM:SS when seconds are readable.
**3:35:12**
